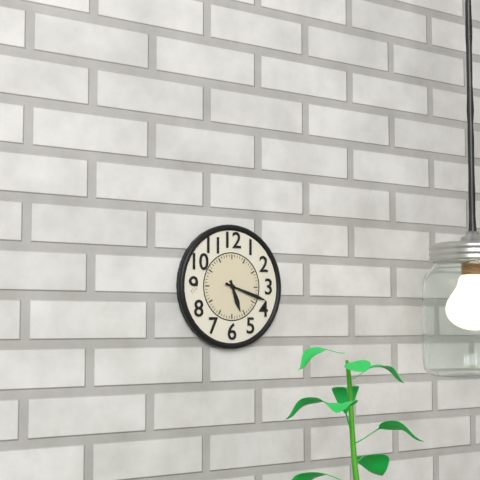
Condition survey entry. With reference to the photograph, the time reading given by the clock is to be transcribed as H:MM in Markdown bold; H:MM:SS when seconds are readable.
**5:18**
